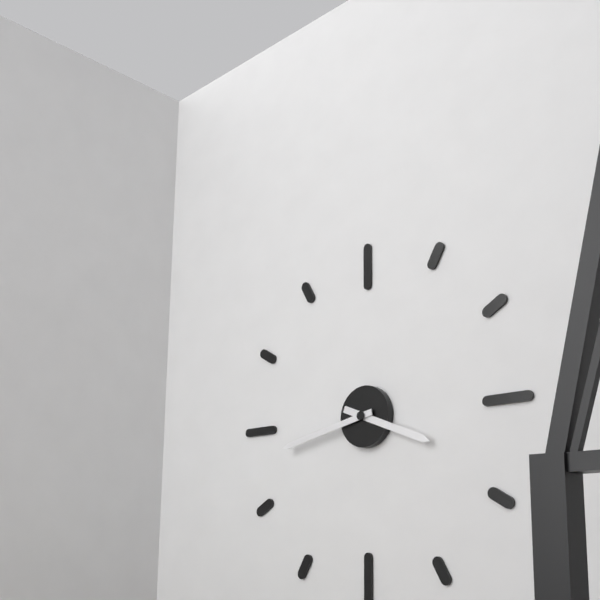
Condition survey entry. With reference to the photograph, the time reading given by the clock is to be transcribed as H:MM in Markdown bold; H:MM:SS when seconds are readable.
**3:43**
